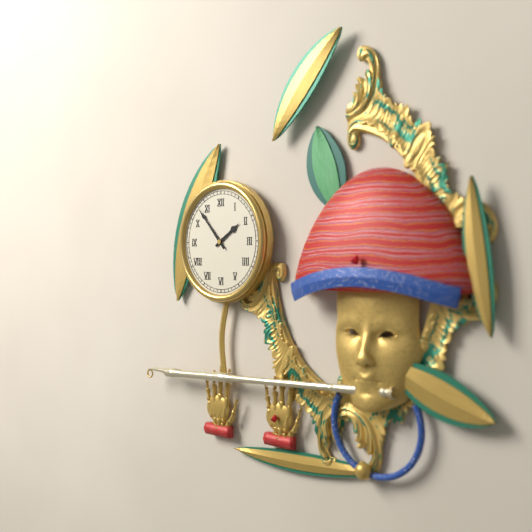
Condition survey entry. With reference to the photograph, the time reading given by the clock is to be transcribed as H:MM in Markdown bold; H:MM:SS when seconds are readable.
**1:53**
